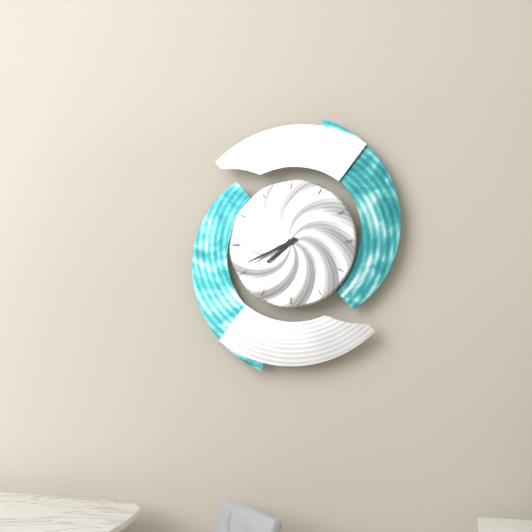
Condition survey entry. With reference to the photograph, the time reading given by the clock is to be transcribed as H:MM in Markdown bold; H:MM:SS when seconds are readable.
**7:41**
